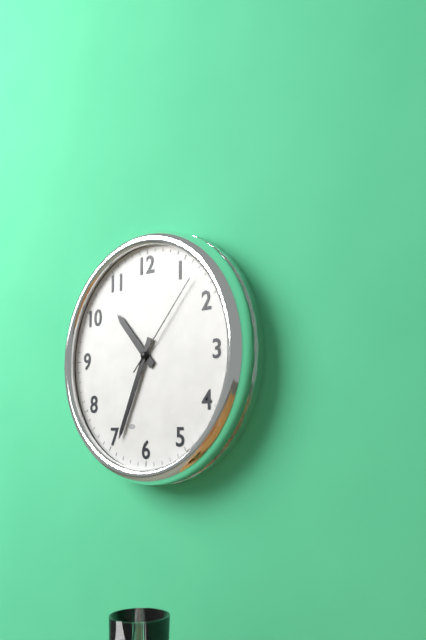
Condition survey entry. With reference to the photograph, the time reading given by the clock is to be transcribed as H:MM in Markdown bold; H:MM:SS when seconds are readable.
**10:34:07**
